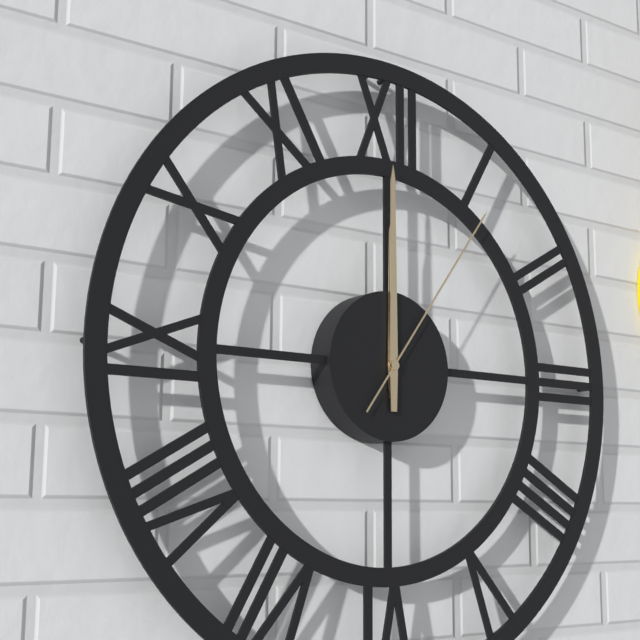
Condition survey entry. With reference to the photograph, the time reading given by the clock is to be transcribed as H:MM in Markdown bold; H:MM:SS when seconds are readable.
**12:00:06**
